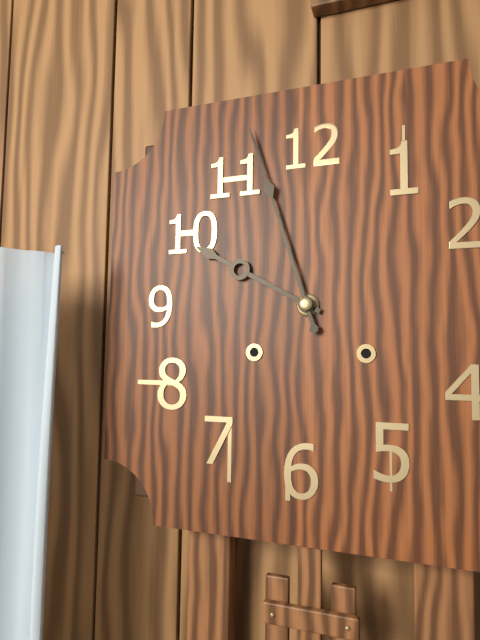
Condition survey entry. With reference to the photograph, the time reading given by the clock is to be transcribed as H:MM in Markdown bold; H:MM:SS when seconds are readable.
**9:57**
